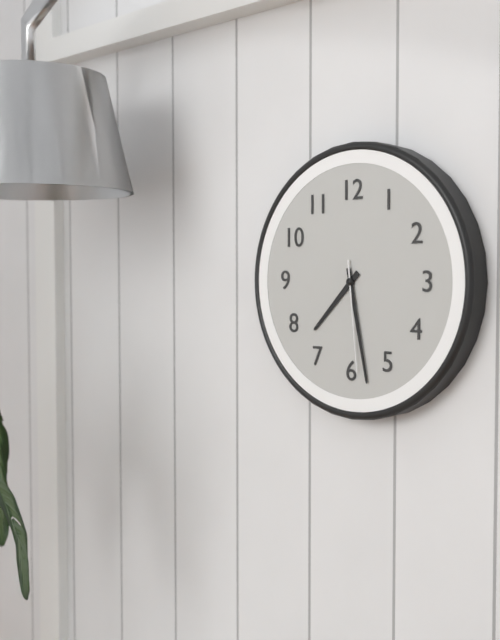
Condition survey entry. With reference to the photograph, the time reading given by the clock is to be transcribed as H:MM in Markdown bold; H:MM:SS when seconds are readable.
**7:28:29**
